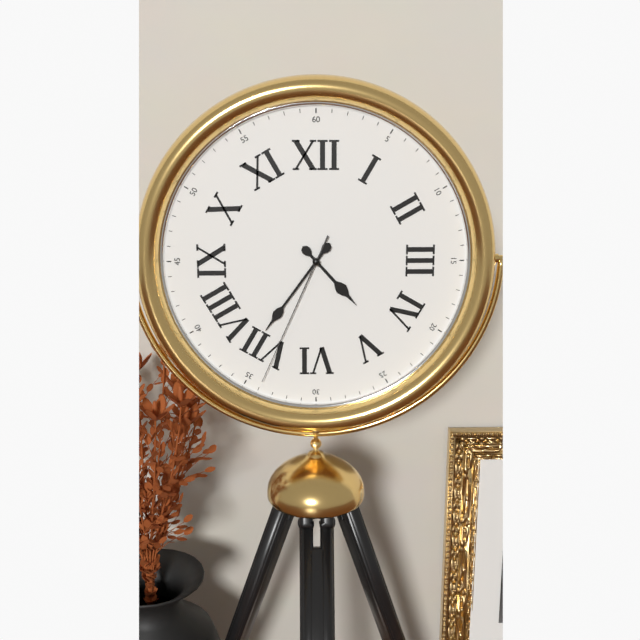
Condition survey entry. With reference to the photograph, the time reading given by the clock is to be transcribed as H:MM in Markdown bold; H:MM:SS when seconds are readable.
**4:36:34**
